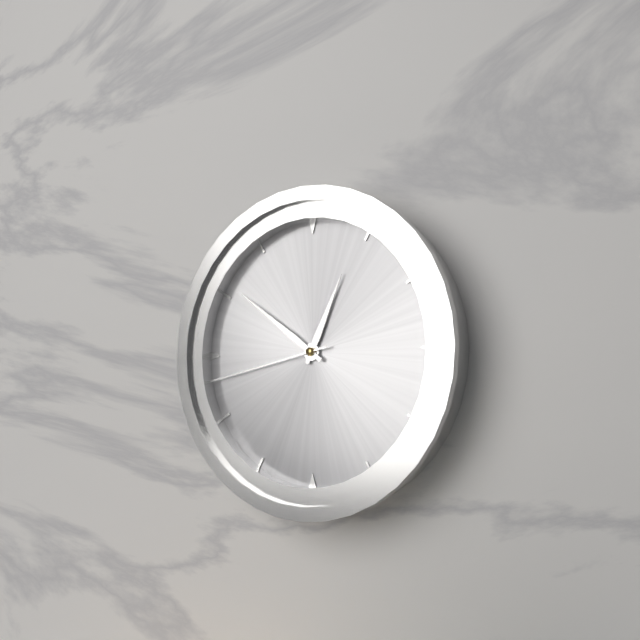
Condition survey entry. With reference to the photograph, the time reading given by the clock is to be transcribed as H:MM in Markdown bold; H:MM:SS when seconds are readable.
**12:51:43**
